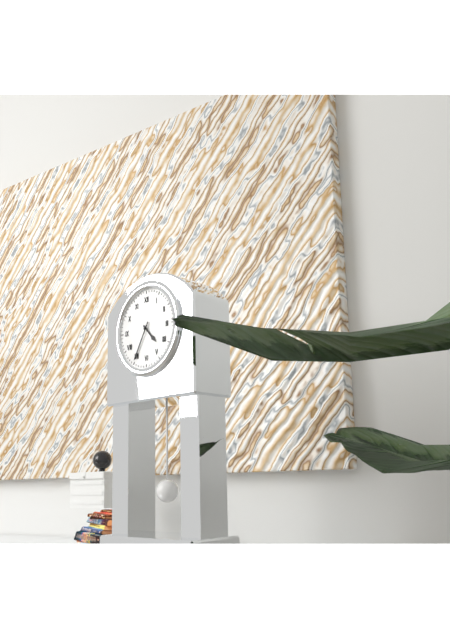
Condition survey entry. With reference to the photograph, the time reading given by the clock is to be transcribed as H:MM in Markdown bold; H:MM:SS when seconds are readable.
**4:35**
